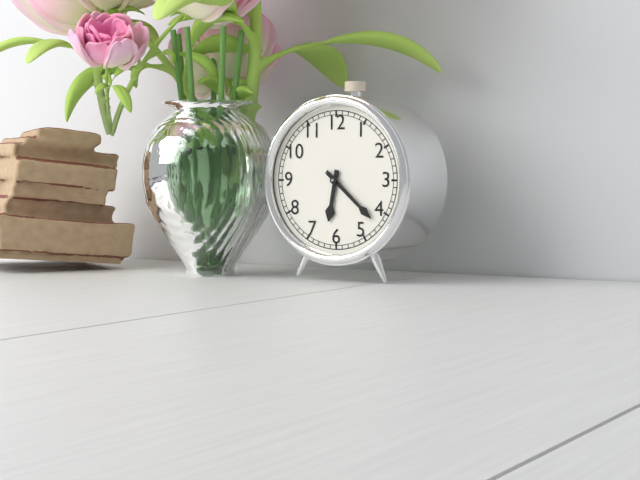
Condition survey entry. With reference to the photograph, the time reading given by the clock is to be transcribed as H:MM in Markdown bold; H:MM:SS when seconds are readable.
**6:22**
